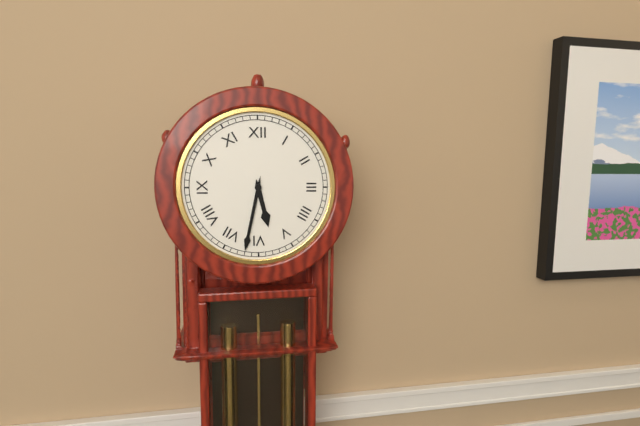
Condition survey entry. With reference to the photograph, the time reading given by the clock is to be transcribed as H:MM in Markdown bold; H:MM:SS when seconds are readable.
**5:32**
